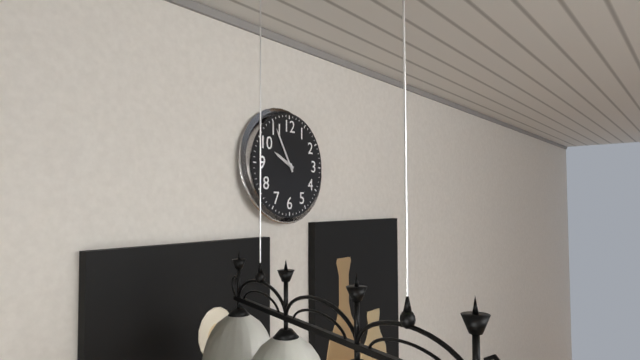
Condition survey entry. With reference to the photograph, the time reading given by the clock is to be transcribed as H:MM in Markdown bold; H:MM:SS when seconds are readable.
**9:55**
